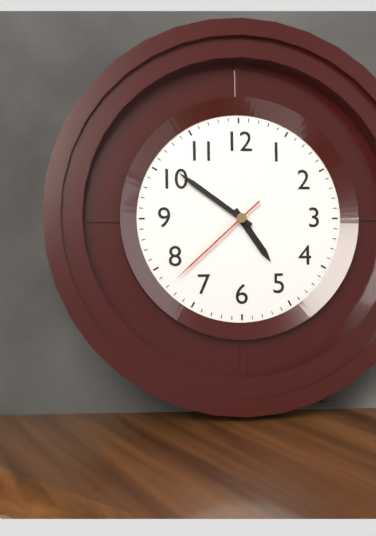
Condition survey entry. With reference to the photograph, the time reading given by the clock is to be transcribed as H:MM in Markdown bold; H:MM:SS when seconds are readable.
**4:51:38**
